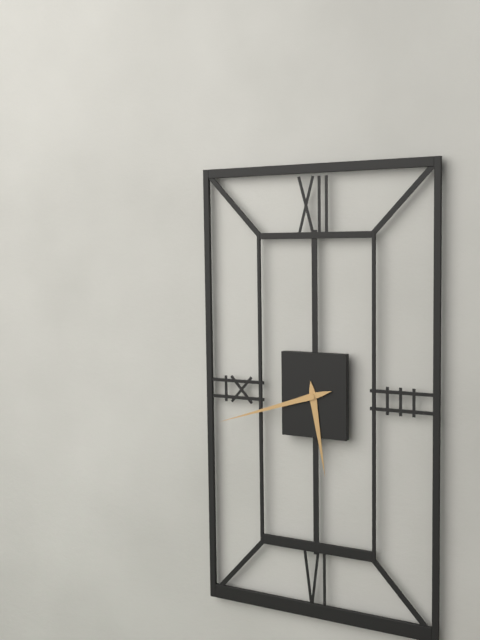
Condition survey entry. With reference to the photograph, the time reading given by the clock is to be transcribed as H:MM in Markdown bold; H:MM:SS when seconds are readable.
**5:42**
